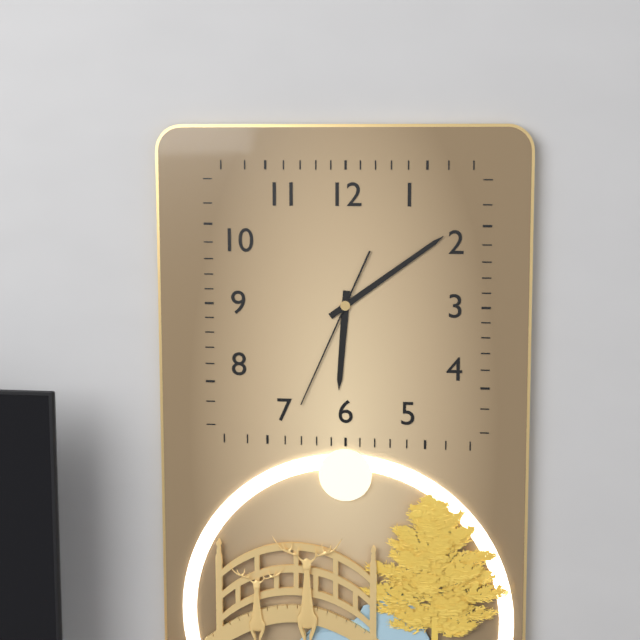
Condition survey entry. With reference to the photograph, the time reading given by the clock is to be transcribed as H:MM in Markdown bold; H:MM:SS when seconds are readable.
**6:09:34**
